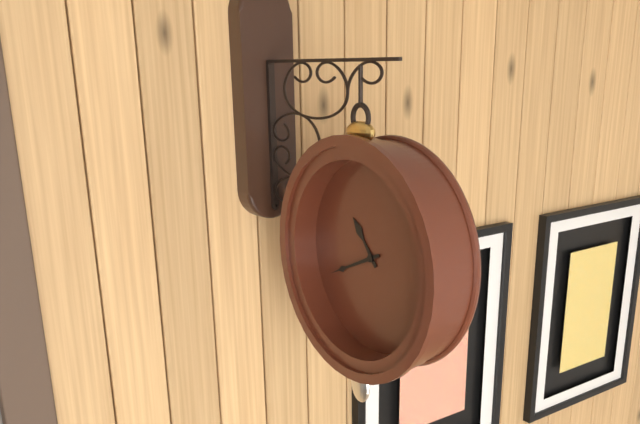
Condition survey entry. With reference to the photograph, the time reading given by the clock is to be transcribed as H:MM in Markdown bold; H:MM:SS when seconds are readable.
**10:41**
